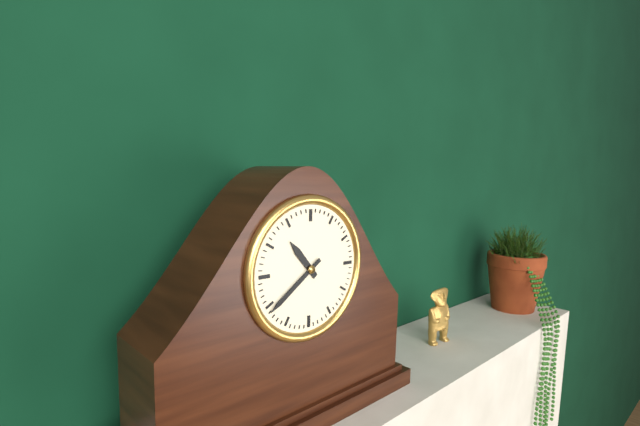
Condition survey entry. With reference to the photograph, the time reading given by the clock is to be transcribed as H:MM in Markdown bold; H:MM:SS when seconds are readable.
**10:39**
